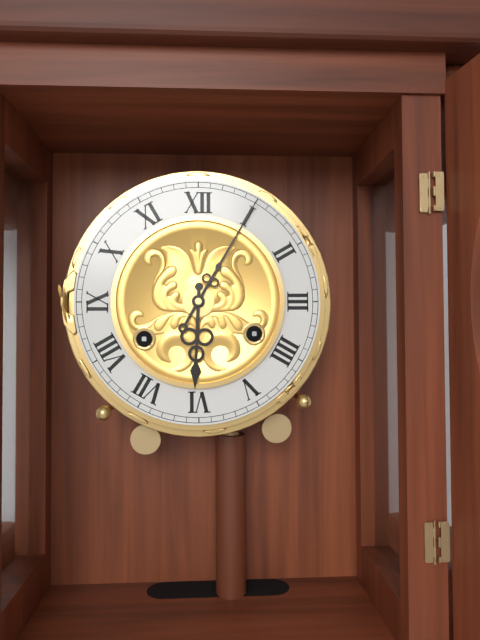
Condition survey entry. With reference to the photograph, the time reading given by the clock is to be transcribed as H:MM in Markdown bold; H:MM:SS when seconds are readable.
**6:05**
